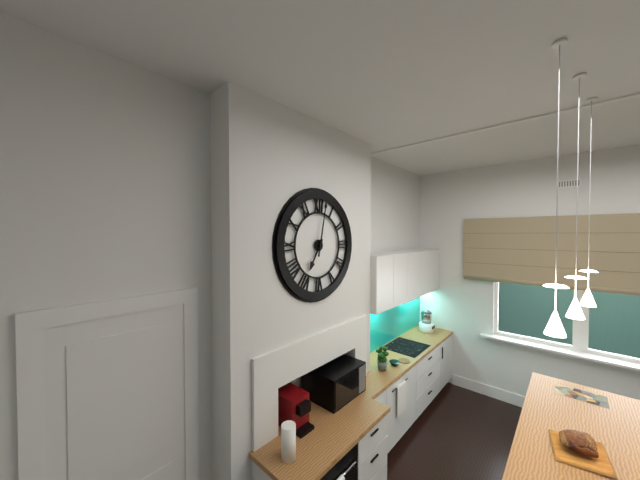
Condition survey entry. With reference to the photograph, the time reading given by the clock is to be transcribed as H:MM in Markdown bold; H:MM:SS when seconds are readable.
**7:02**
